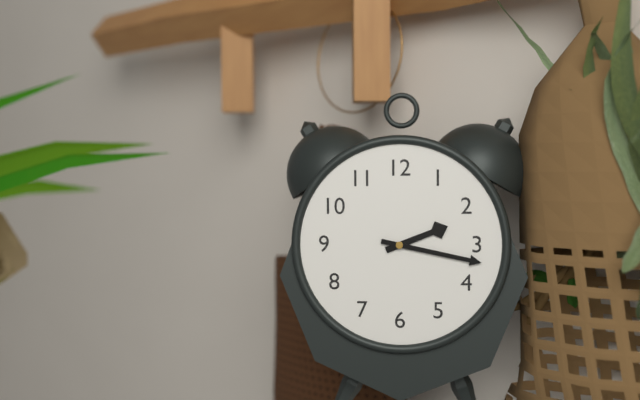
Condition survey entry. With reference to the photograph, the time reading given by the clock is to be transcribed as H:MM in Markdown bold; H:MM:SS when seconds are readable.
**2:17**
